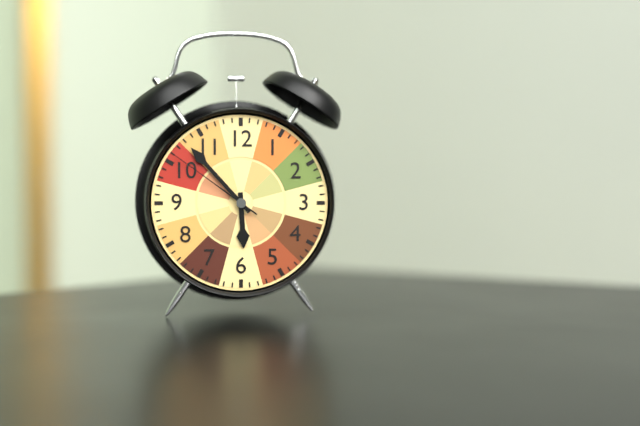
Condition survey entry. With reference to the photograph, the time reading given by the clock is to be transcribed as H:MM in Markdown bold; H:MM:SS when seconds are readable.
**5:53:51**
